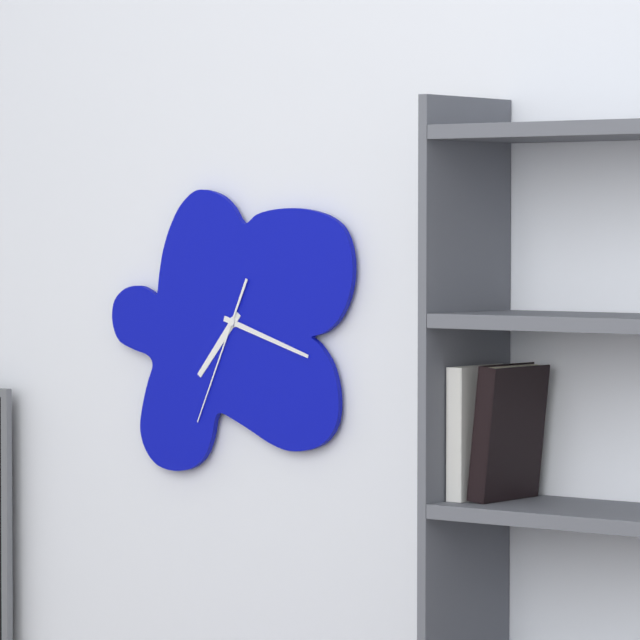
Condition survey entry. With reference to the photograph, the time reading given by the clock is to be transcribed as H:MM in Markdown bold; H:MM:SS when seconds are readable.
**7:18:34**
